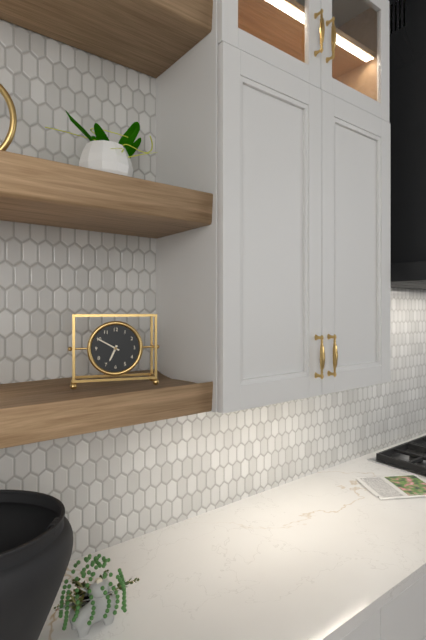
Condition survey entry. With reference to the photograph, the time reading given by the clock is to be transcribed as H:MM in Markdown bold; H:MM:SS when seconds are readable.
**6:50**
